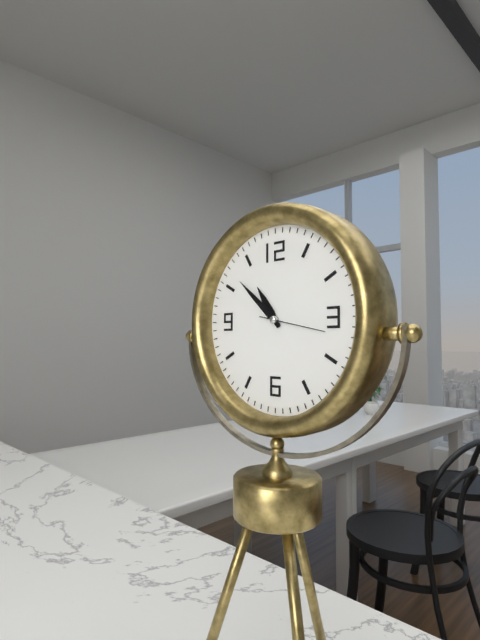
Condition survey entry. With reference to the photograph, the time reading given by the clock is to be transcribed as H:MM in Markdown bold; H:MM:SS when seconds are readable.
**10:52:17**
